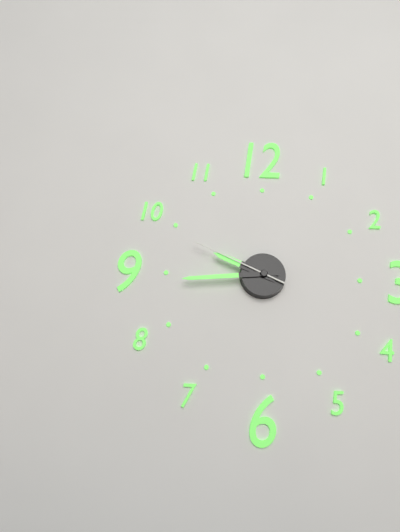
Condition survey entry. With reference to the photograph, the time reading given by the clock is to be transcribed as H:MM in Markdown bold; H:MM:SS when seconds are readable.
**9:44:49**
